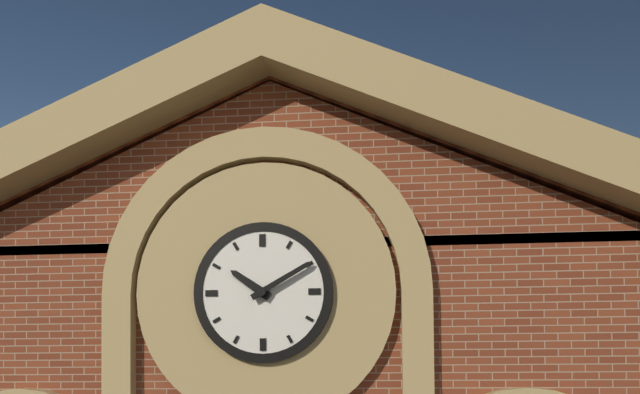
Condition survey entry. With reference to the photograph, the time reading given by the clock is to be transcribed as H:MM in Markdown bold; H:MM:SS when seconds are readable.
**10:10**
